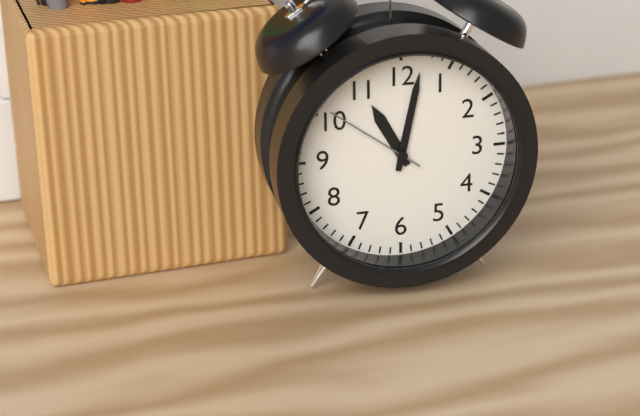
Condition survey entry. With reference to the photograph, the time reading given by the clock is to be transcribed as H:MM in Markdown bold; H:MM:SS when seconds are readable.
**11:02:51**
